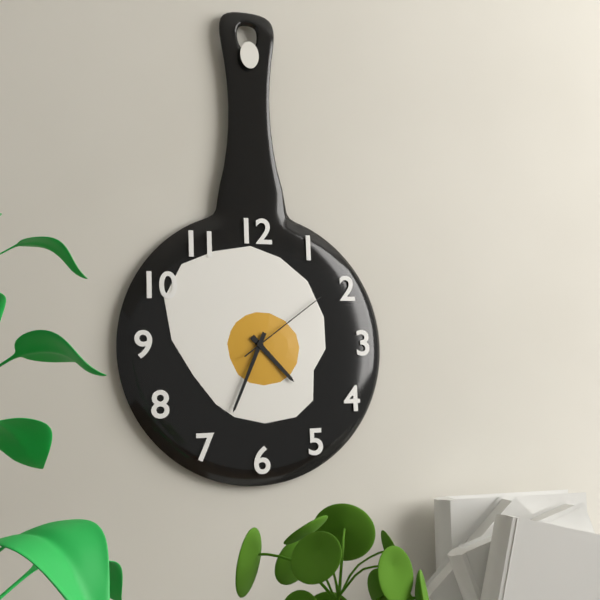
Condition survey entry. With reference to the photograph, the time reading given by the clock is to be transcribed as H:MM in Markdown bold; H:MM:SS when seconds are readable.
**4:34:09**
